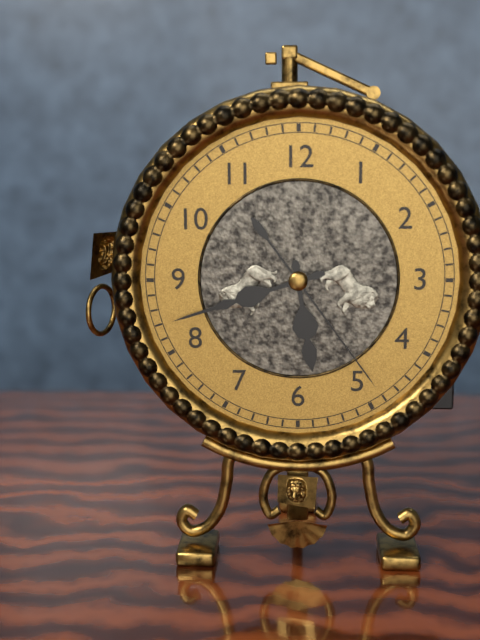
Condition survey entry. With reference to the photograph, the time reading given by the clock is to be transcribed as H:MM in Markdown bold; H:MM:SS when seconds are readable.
**5:42:24**
